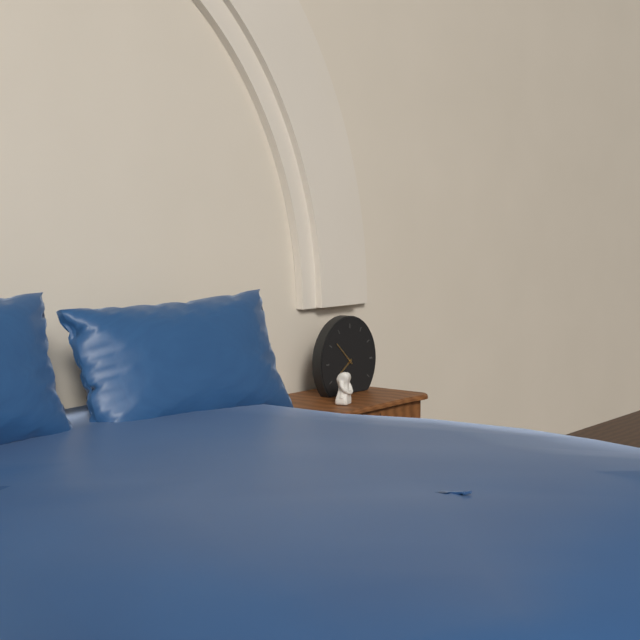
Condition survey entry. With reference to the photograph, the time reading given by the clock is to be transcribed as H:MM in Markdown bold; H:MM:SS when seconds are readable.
**7:52**
